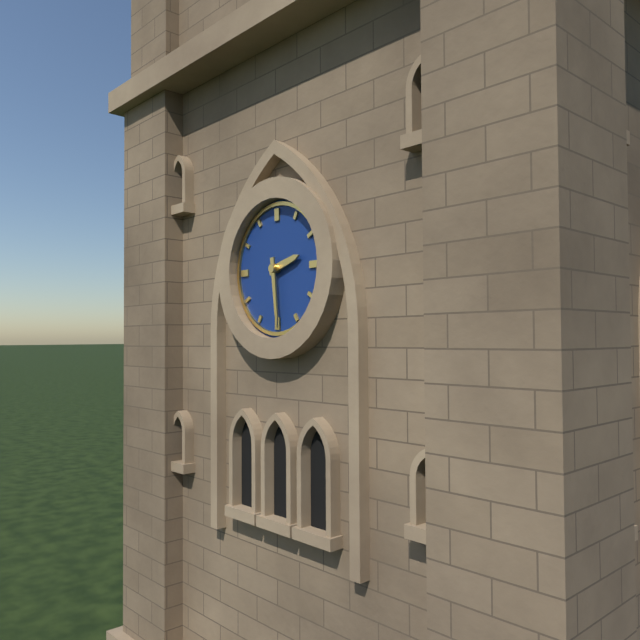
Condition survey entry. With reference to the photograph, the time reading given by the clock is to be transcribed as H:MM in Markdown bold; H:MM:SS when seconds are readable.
**2:29**
